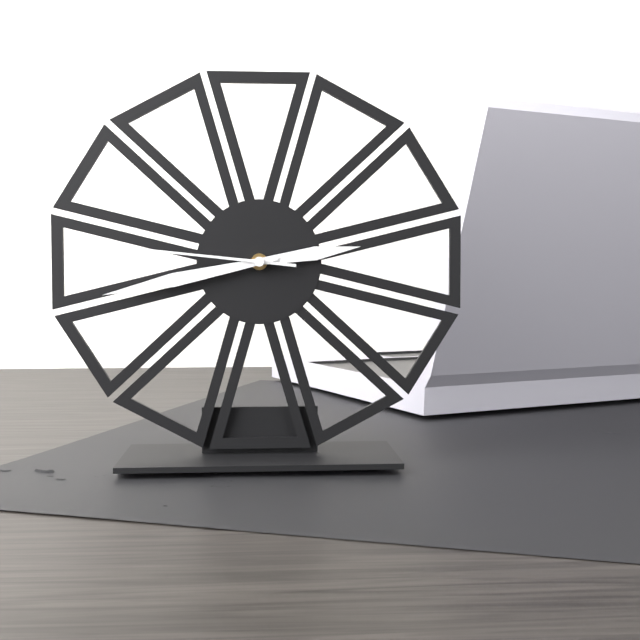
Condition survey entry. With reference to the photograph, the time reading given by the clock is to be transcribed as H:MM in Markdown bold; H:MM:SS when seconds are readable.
**2:43:46**
